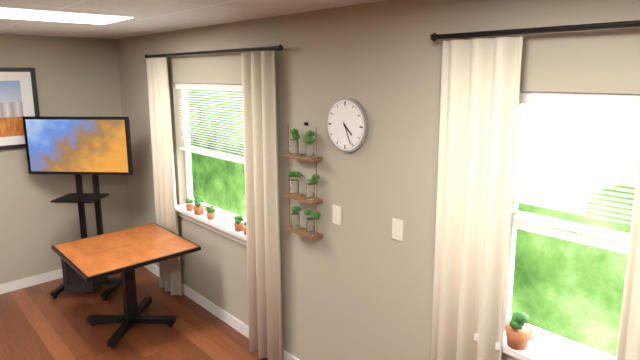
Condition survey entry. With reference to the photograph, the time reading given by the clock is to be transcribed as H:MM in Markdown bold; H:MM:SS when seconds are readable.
**4:26**
